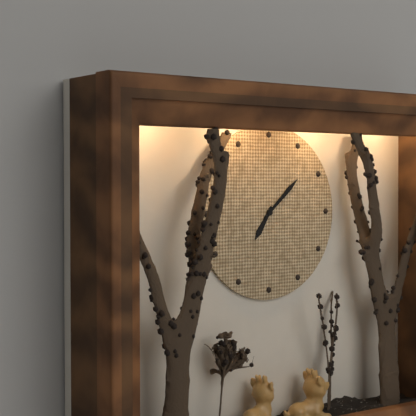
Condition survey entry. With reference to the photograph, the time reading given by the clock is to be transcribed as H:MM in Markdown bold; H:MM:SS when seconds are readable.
**7:08**
